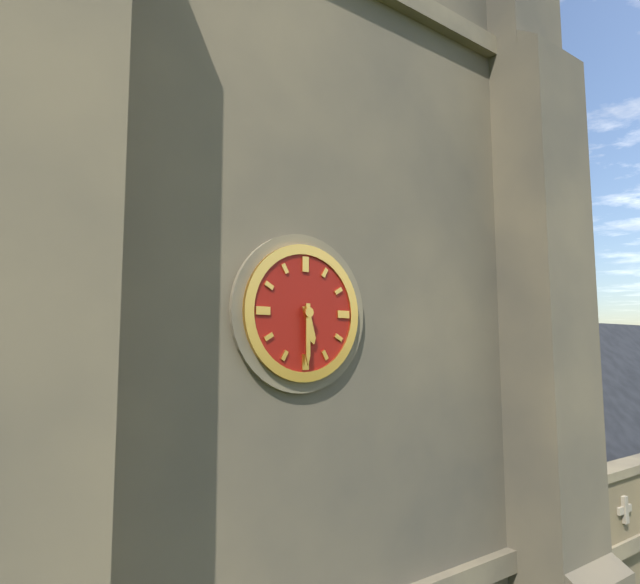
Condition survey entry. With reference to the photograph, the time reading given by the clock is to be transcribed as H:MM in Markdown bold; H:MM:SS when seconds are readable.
**5:30**
